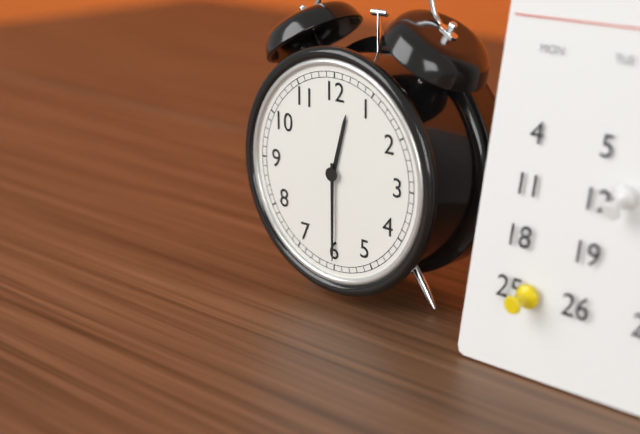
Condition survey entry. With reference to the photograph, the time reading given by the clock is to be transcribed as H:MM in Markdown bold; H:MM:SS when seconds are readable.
**12:30**
